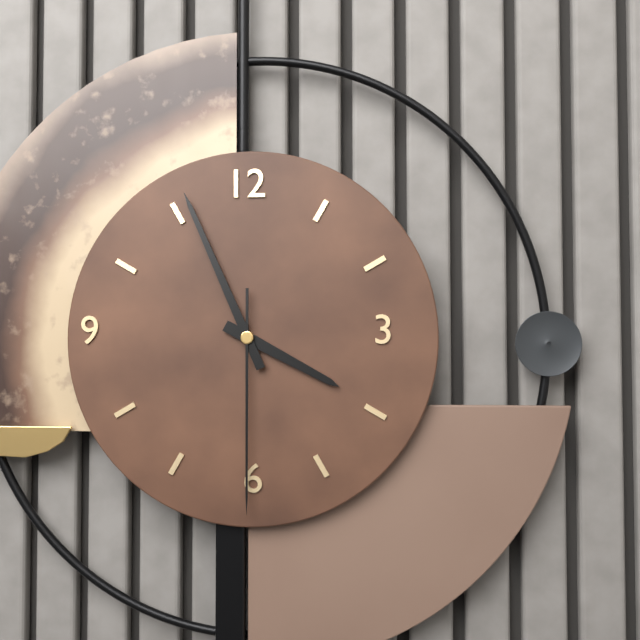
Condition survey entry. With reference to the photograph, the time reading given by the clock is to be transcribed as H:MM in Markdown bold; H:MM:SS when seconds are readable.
**3:56:30**
